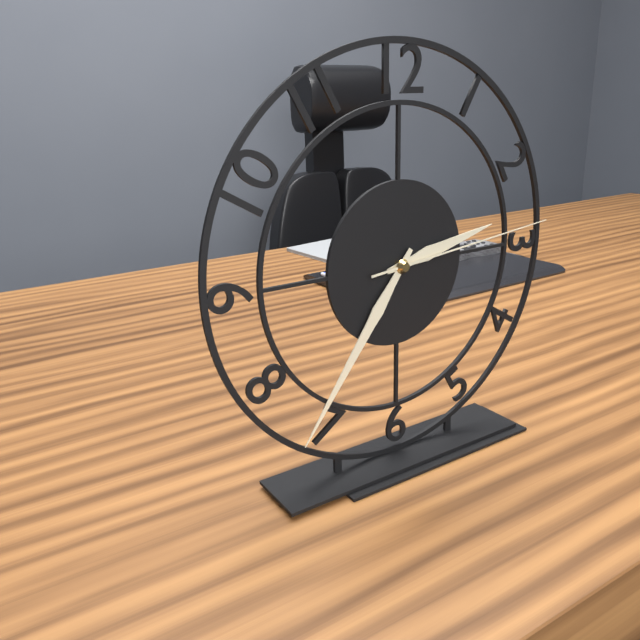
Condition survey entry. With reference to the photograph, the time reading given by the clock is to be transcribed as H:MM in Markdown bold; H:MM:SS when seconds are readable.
**2:36:14**
